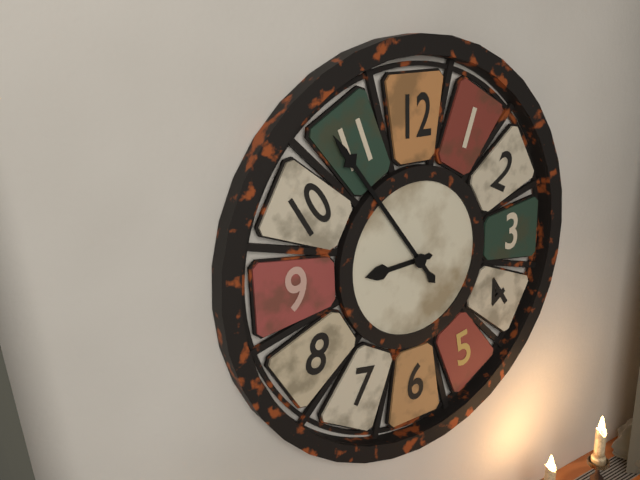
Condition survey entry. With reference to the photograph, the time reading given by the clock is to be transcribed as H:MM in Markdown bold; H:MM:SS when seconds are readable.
**8:54**
